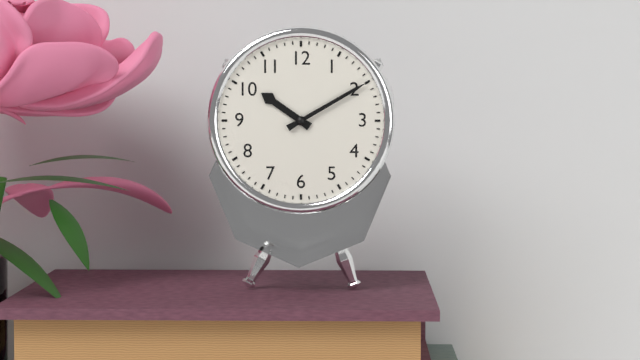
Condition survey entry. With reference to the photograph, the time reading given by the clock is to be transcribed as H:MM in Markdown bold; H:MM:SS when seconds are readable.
**10:10**
